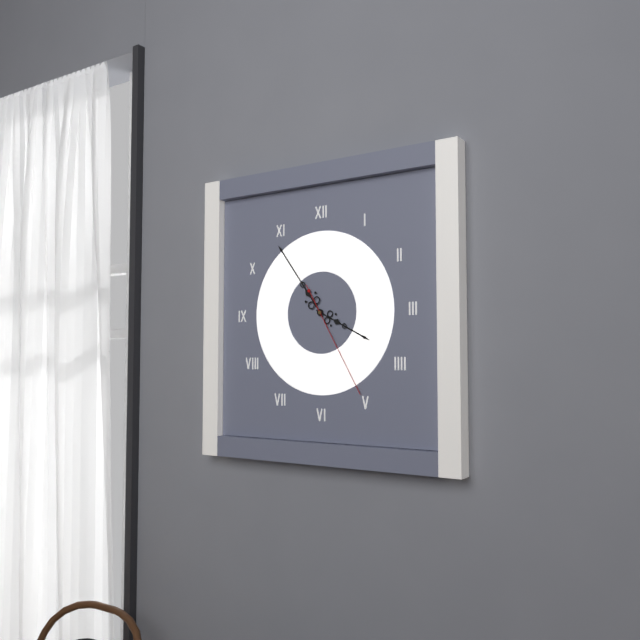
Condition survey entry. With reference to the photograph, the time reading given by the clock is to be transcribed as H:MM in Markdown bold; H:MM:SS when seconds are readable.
**3:54:25**
